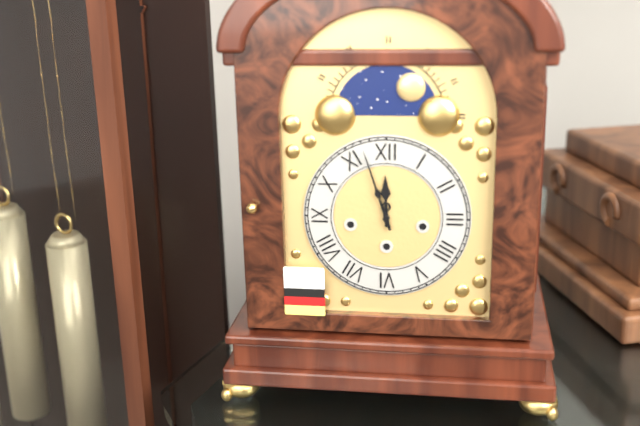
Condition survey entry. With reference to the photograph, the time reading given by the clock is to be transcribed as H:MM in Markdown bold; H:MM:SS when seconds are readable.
**11:57**
